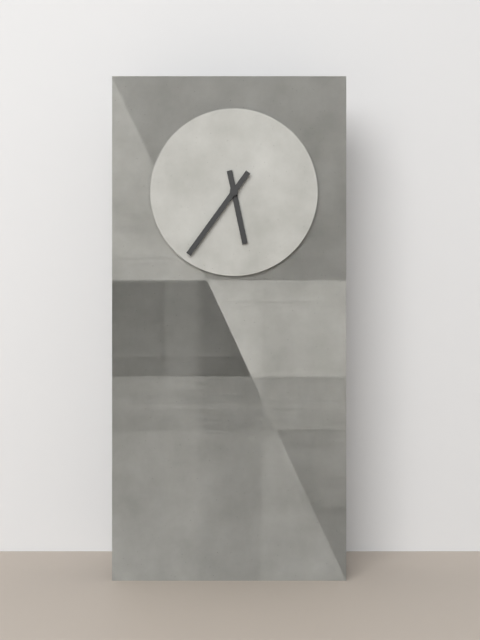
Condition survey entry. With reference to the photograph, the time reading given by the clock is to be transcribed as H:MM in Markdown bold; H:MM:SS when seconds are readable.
**5:36**
